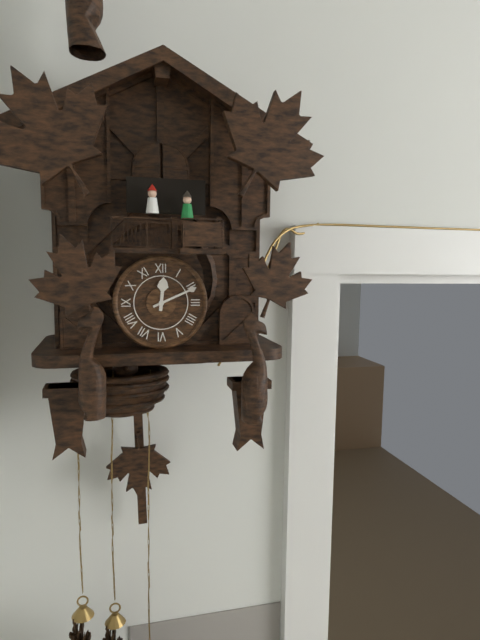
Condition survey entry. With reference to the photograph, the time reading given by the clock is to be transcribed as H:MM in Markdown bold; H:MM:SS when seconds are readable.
**12:11**
